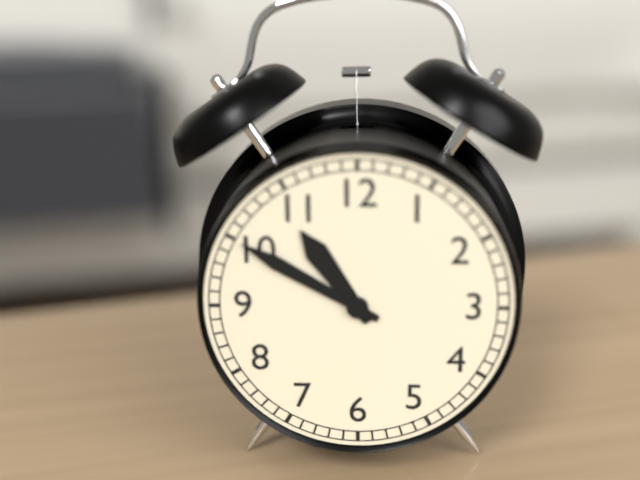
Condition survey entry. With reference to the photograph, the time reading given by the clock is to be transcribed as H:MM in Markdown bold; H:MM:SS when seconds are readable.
**10:50**
